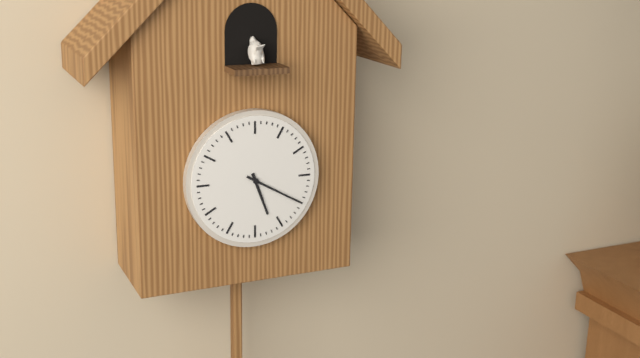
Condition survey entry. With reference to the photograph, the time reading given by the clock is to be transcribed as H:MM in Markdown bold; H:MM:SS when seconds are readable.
**5:20**
